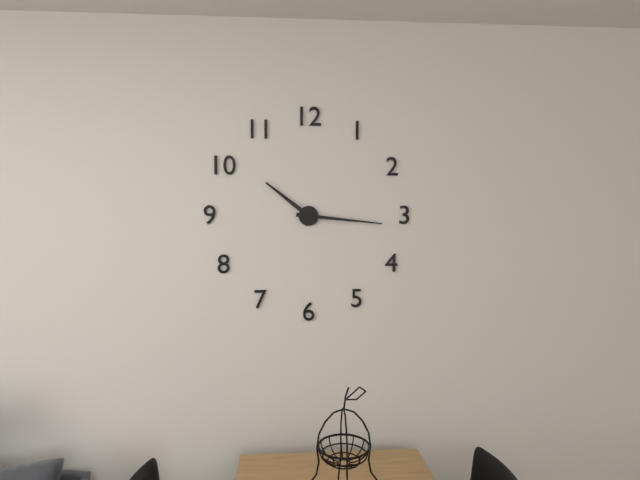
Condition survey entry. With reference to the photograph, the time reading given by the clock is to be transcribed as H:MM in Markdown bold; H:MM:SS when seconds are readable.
**10:16**
